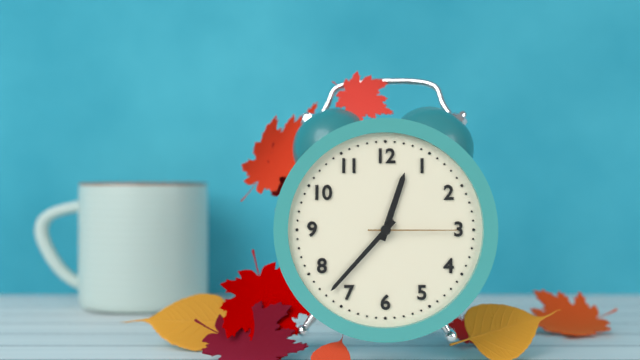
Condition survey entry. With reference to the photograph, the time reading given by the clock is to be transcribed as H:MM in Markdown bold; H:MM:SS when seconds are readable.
**12:37:15**
